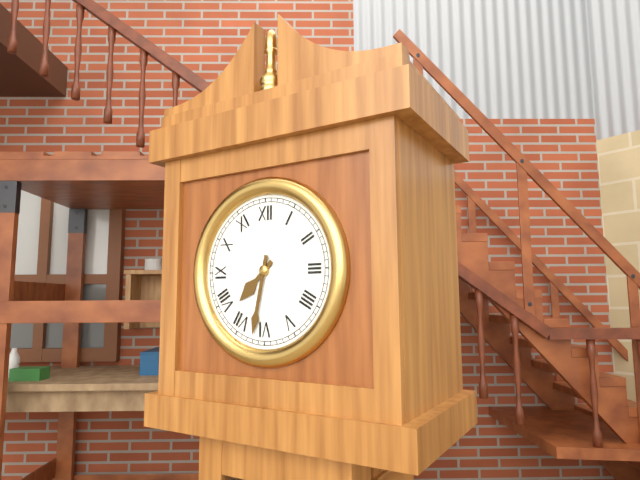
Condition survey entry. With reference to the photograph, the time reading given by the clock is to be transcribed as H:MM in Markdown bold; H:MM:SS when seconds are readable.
**7:32**
